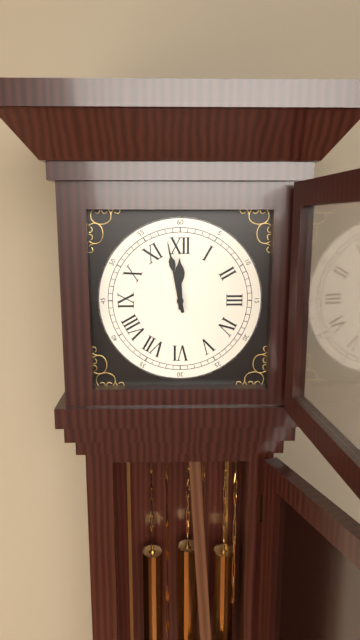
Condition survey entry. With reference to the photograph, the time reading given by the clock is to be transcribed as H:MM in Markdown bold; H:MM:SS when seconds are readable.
**11:58**
